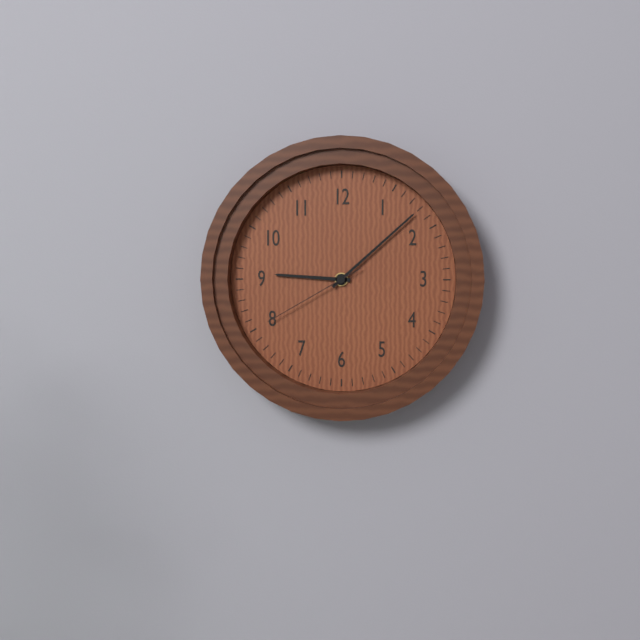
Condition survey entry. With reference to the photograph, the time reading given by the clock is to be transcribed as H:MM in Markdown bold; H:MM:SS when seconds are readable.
**9:08:40**
